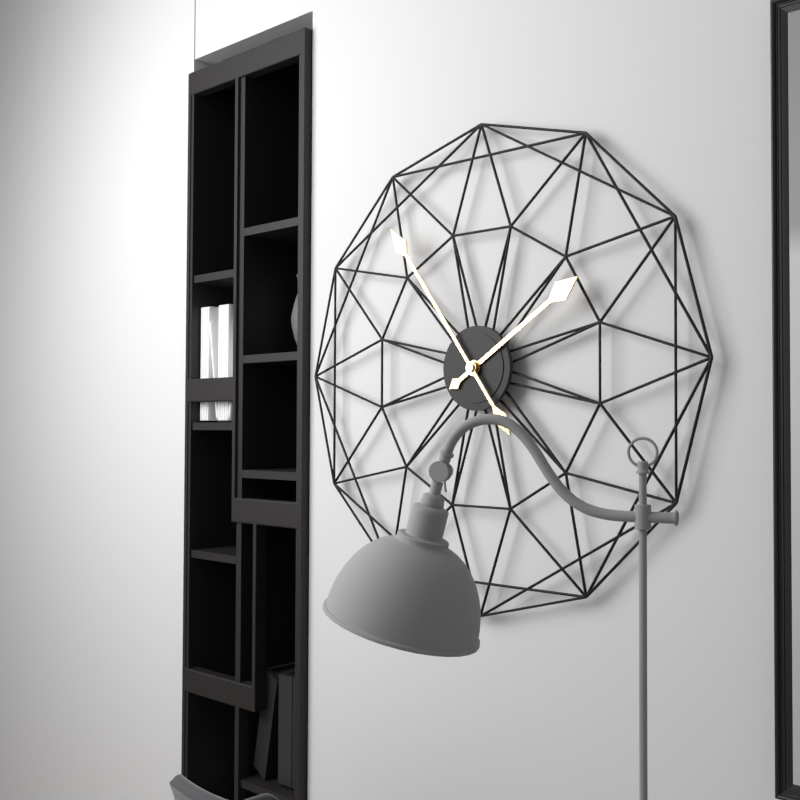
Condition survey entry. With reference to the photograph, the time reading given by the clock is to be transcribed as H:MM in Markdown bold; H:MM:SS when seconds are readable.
**1:54**
